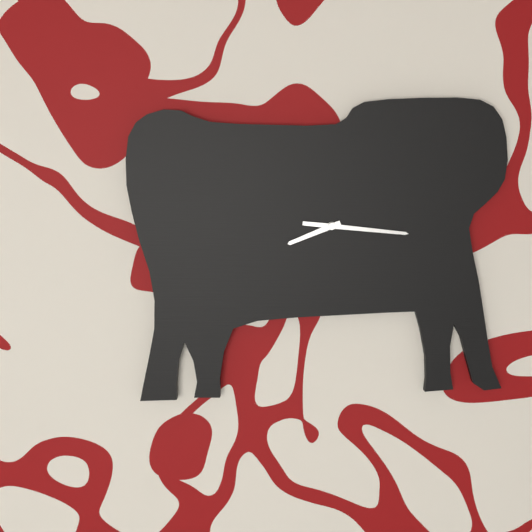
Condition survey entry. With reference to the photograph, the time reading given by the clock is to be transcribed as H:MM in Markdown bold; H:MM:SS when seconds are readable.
**8:16**
